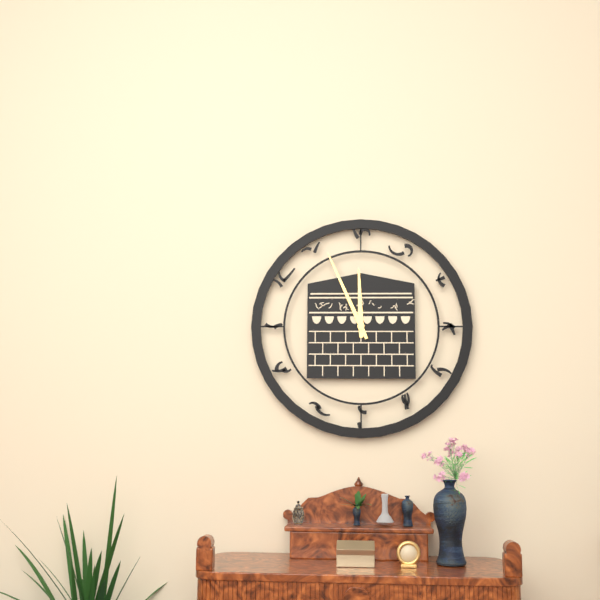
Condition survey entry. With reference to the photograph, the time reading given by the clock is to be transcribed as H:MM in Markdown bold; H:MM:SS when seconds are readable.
**11:56**
